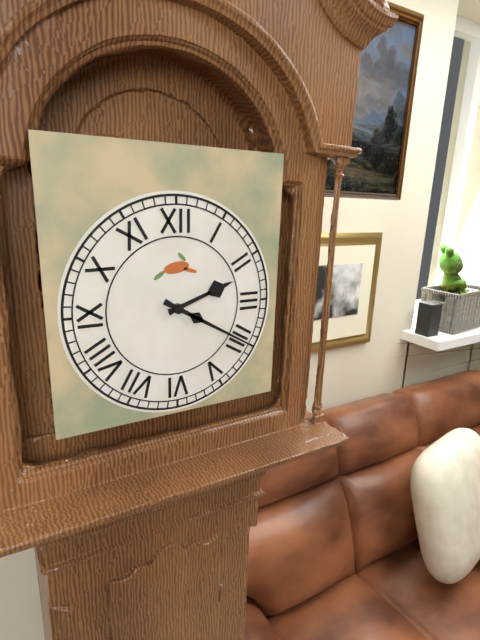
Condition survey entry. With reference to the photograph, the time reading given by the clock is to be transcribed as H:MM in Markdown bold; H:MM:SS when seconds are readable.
**2:20**
